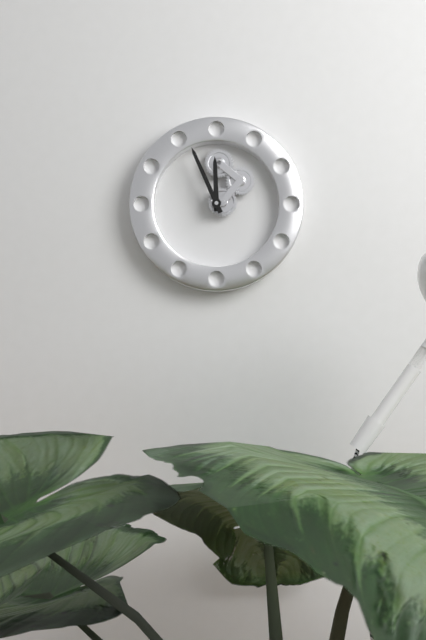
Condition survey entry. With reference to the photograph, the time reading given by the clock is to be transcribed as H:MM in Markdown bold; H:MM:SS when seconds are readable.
**11:56**
